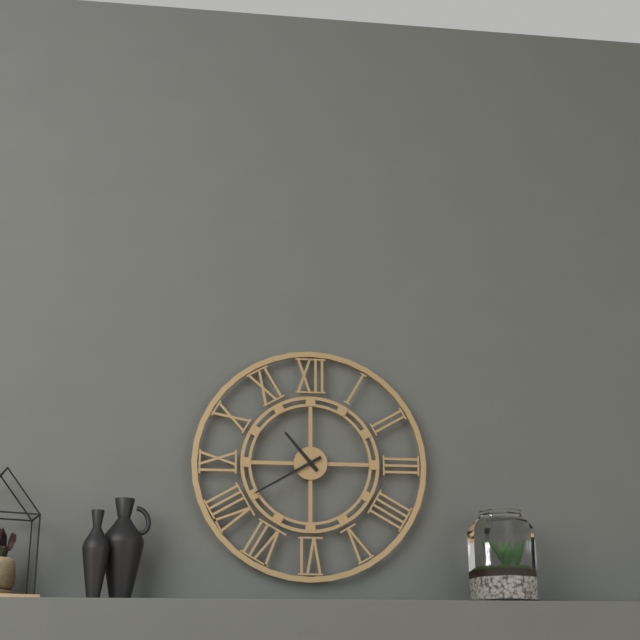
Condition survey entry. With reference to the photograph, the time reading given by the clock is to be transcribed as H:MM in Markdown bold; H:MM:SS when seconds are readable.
**10:40**
